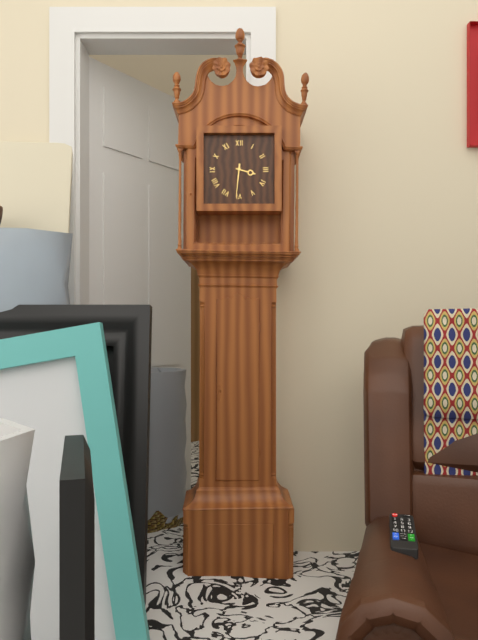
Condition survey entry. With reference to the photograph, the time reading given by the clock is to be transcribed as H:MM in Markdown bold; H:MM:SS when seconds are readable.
**3:31**
